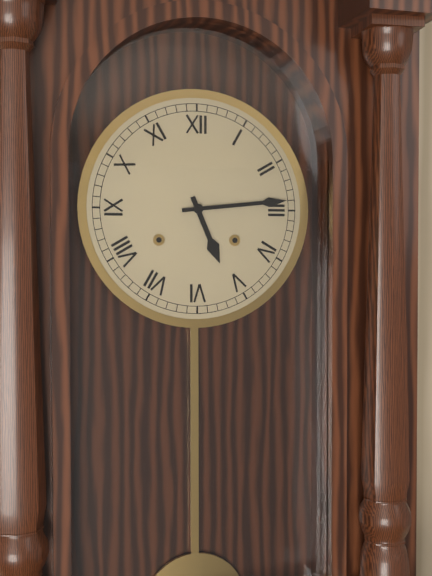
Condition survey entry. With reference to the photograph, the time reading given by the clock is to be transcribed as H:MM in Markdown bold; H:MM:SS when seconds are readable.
**5:14**
